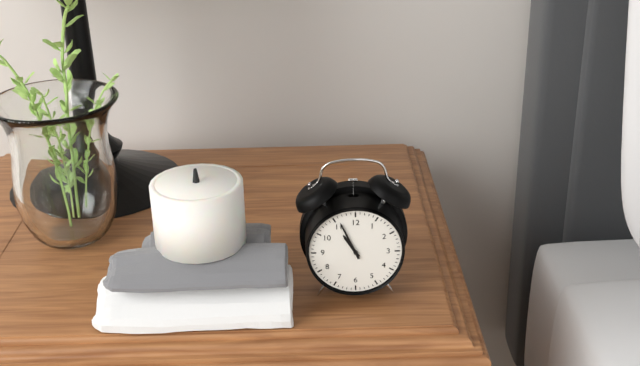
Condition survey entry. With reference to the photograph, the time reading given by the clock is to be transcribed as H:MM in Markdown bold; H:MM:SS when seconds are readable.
**10:56**
